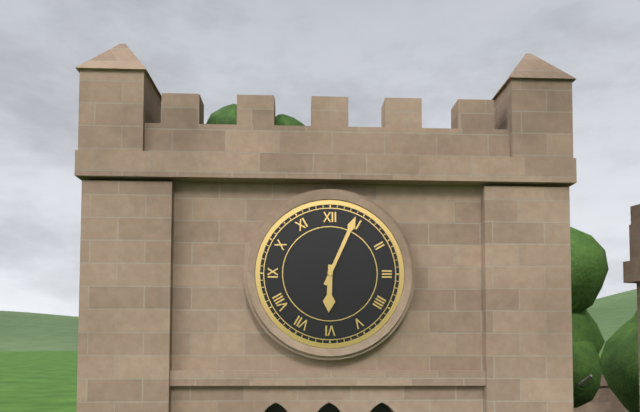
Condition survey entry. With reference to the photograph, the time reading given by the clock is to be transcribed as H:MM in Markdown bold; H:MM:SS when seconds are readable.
**6:04**
